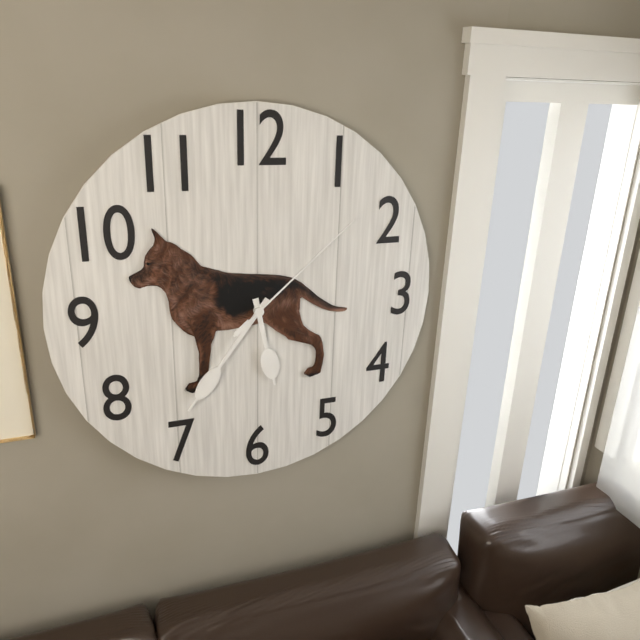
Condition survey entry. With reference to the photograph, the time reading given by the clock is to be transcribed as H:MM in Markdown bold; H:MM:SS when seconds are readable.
**5:36:08**
